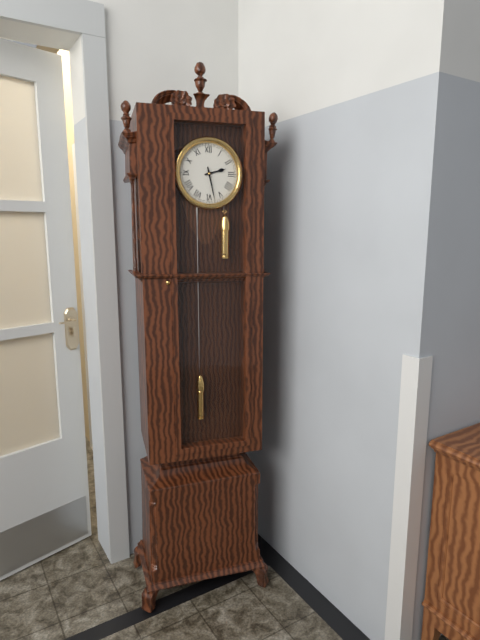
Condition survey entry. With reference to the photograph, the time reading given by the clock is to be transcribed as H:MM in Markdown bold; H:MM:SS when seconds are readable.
**2:28**
